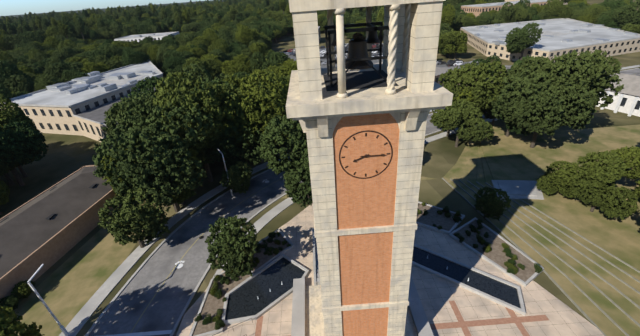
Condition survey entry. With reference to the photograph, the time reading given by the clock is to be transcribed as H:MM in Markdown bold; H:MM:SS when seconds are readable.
**8:15**
